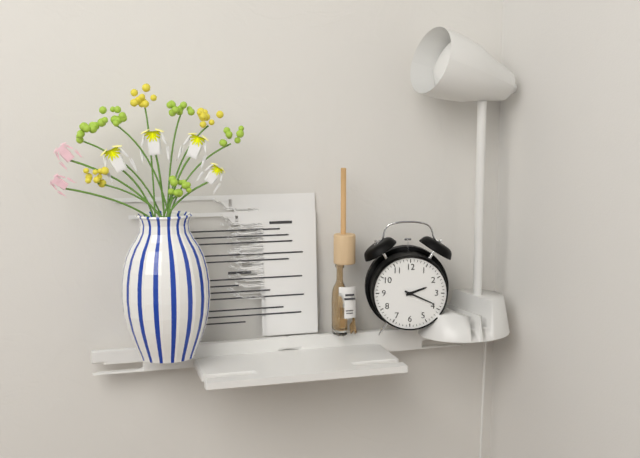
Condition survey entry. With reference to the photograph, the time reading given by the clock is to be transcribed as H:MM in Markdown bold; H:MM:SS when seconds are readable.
**2:19**
